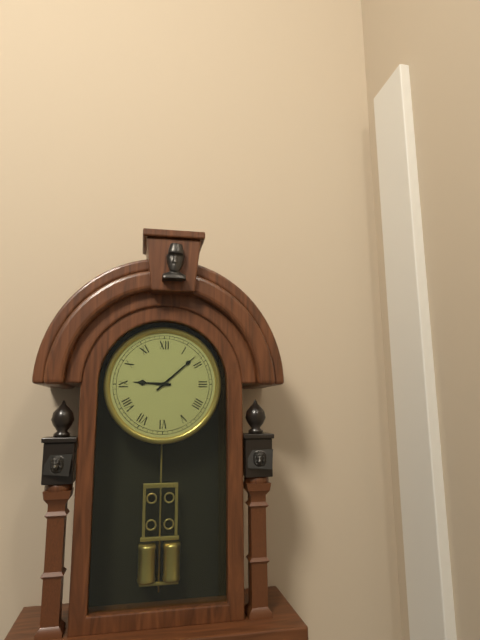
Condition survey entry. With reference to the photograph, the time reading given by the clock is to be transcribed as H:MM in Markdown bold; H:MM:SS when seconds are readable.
**9:08**
